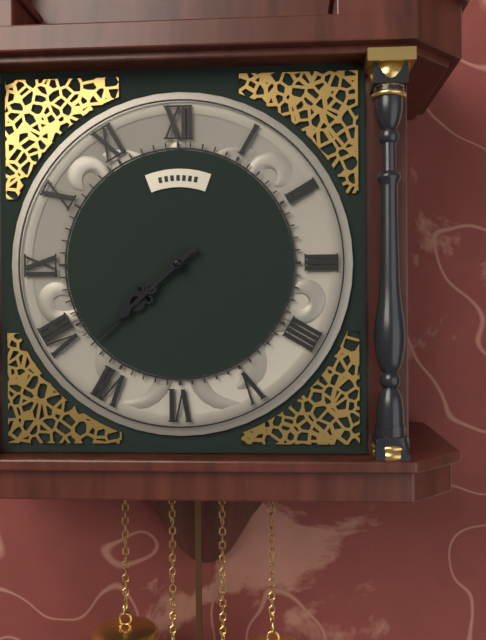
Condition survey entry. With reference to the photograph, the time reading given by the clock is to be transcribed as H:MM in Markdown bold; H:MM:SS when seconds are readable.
**7:38**
